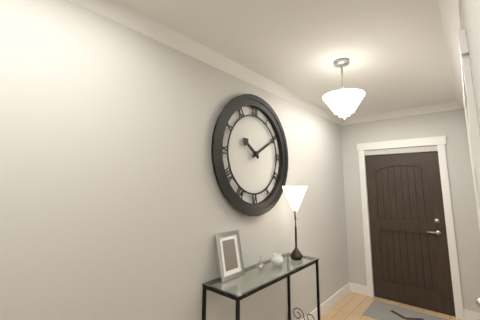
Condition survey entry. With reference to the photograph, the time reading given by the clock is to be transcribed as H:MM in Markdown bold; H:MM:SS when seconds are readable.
**10:10**
